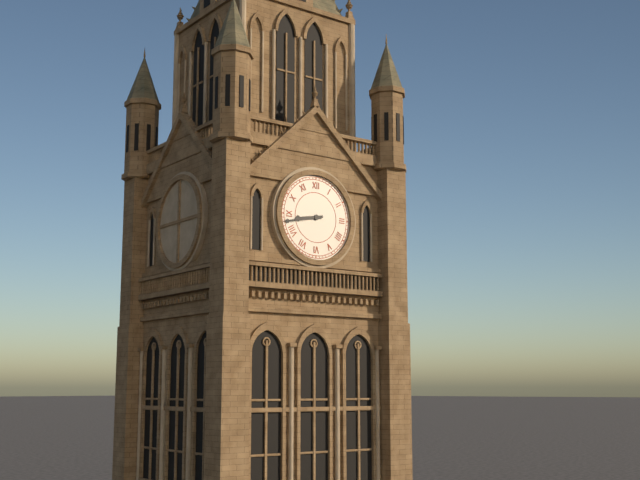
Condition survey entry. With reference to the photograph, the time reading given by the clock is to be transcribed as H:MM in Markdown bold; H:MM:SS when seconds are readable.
**8:43**
